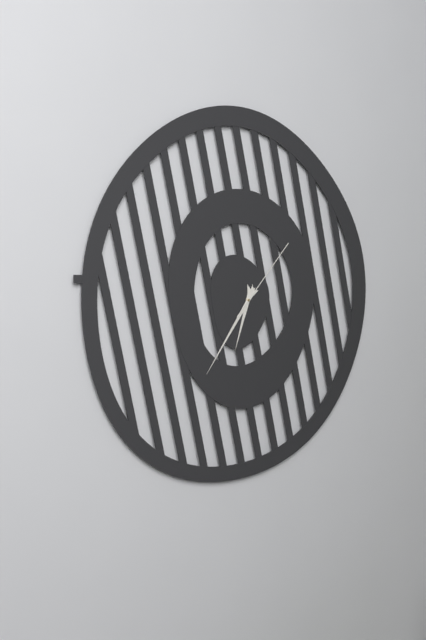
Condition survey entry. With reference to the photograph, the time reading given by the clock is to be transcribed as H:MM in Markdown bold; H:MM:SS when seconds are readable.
**6:36:07**
